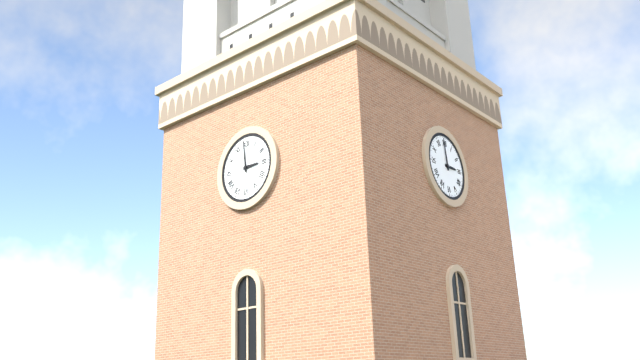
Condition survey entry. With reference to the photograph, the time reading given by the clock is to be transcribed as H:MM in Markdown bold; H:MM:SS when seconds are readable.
**2:59**
